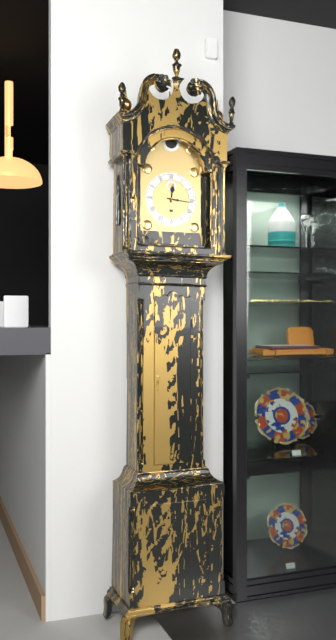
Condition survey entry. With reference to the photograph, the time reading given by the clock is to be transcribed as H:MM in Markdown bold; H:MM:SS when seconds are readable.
**12:16**
